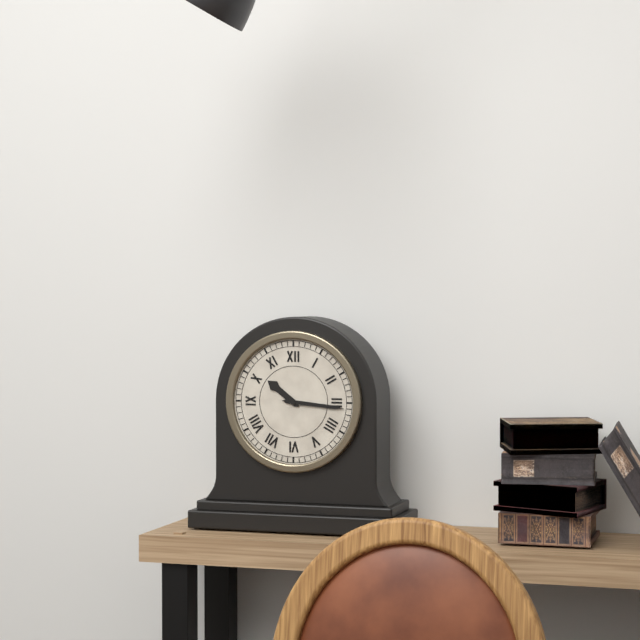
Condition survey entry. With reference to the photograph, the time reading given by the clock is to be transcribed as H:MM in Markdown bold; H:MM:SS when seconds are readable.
**10:16**
